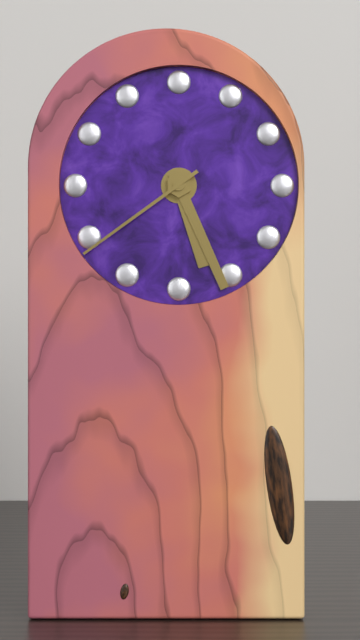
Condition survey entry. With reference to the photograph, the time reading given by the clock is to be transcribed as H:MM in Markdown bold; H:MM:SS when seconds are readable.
**5:26:39**
